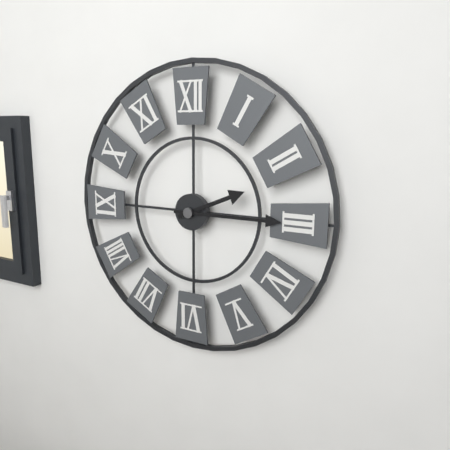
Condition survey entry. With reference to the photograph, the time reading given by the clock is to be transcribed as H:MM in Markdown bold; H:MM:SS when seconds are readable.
**2:15**
